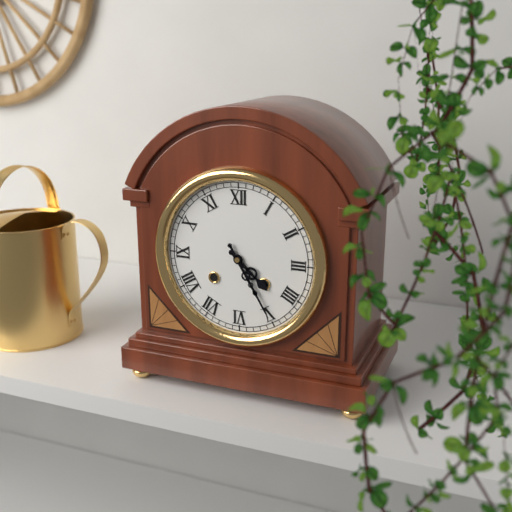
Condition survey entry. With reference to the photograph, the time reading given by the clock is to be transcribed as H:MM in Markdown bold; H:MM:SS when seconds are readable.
**4:25**
